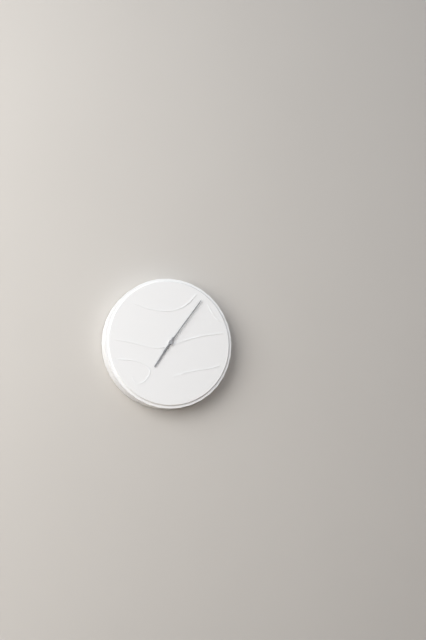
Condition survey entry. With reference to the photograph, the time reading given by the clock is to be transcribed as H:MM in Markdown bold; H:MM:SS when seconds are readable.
**7:06**
